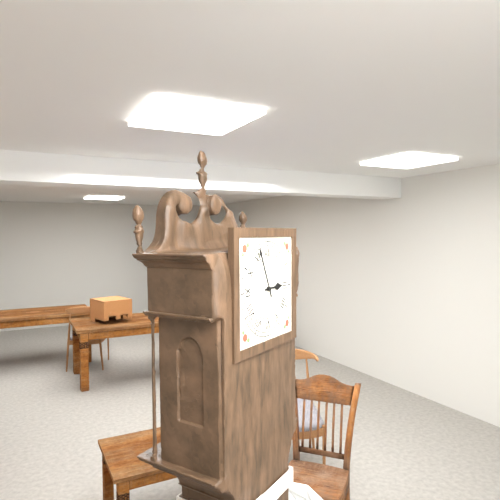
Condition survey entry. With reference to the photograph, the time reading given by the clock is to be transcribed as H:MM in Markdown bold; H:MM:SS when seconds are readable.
**2:56**
